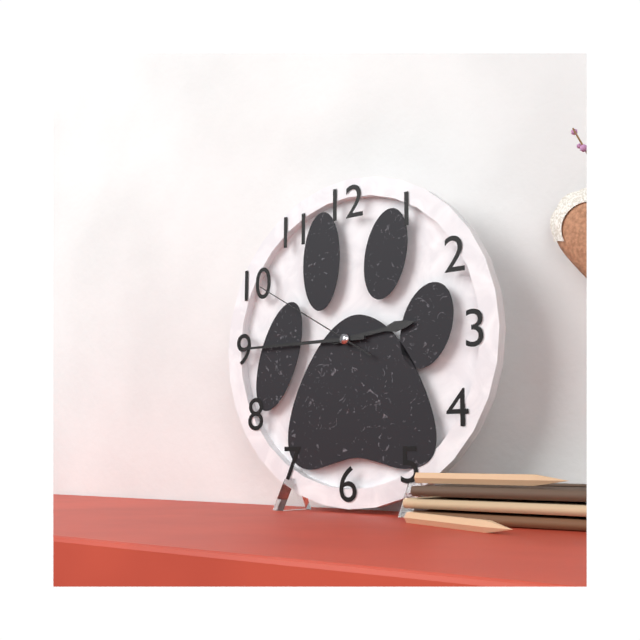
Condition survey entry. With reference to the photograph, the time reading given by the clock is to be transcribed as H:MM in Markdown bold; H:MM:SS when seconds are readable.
**2:45:50**
